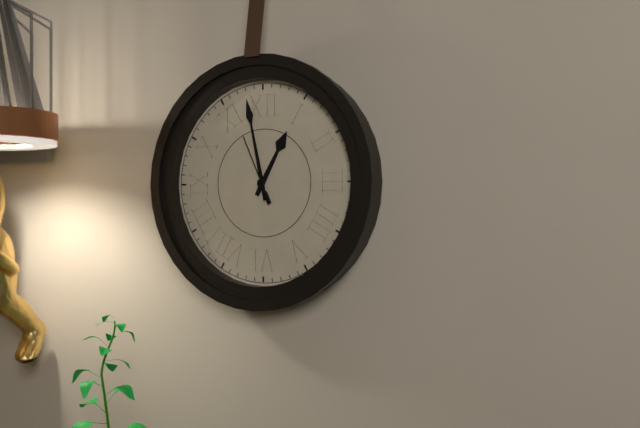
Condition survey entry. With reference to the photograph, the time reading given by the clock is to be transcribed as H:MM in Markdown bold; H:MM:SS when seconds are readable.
**12:58:56**
